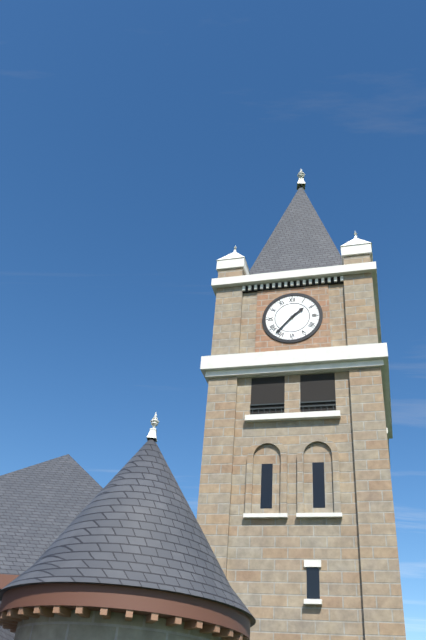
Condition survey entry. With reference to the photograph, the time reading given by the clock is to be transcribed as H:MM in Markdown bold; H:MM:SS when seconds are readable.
**1:37**
